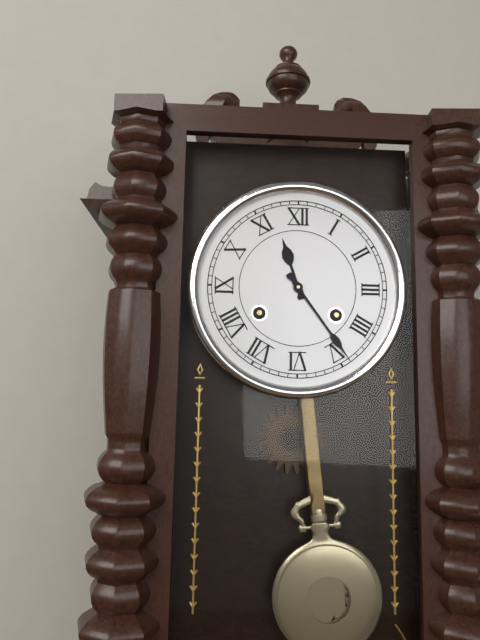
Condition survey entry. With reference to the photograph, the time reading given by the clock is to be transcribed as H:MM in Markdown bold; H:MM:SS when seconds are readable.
**11:24**
